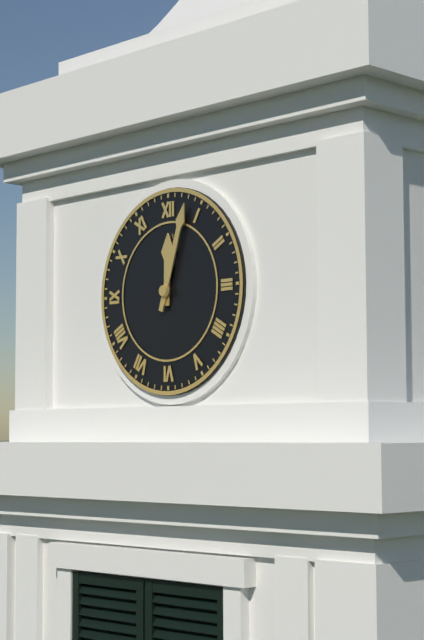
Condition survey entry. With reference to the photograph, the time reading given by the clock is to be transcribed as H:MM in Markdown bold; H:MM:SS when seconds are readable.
**12:03**
